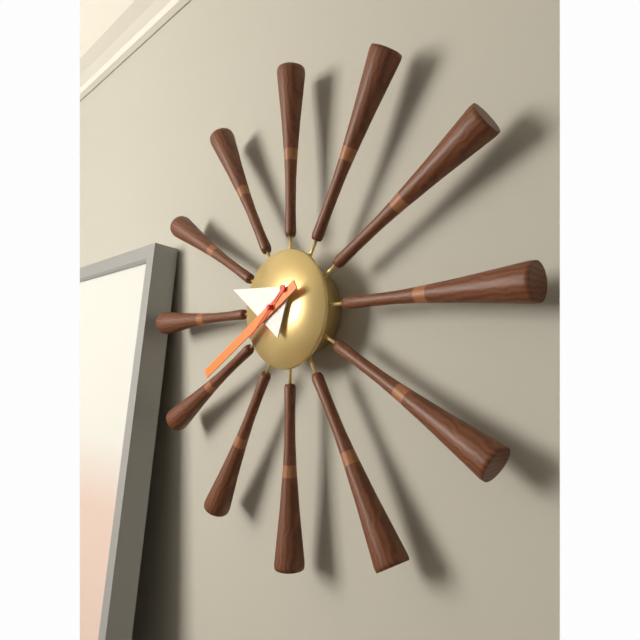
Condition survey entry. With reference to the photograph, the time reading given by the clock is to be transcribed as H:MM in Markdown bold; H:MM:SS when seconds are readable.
**9:40:38**
